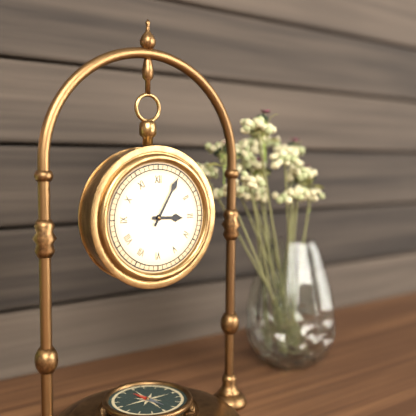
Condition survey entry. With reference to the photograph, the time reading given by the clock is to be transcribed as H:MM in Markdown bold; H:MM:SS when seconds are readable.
**3:05**
